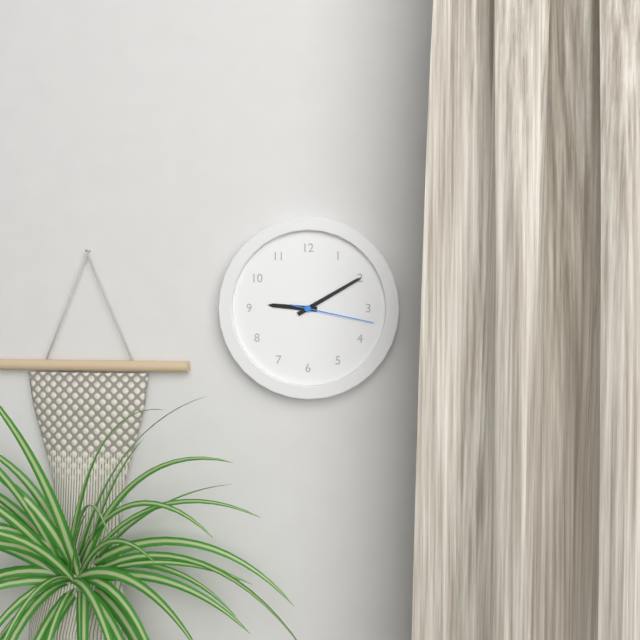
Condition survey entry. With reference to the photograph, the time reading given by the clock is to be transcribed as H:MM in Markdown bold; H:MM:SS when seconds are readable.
**9:10:17**
